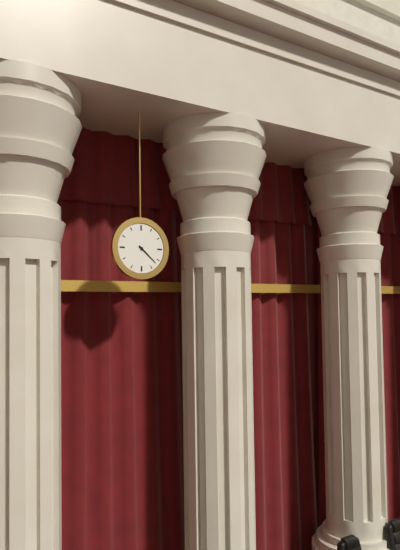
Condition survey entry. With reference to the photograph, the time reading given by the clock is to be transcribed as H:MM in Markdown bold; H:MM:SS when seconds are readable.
**4:22**
